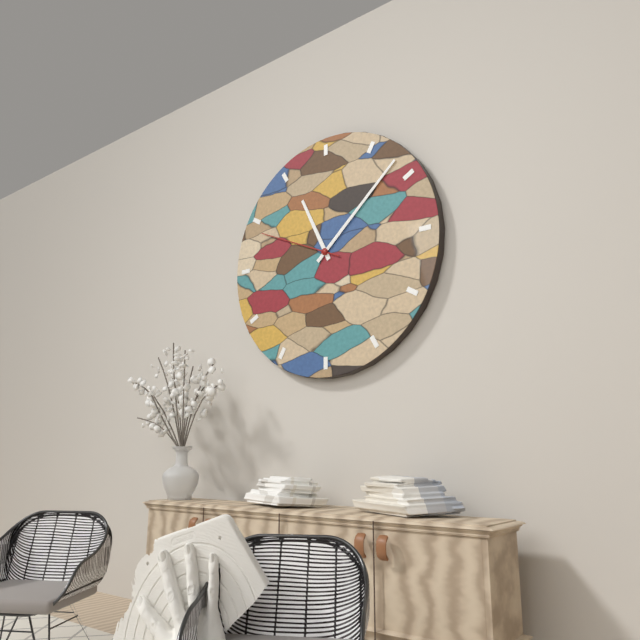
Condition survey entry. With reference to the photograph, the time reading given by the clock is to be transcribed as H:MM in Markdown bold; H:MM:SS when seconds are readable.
**11:08:49**
